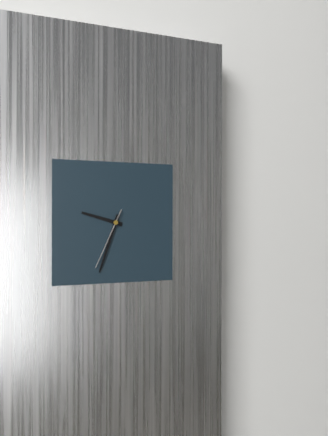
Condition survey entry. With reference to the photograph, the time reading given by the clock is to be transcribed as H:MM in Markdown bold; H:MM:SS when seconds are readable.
**9:33:34**
